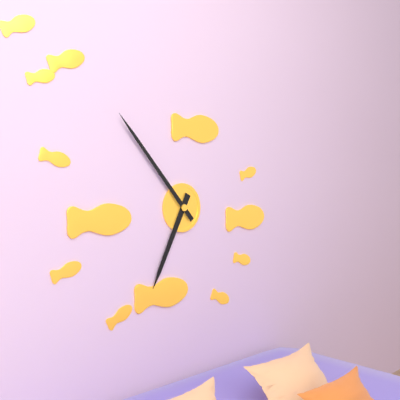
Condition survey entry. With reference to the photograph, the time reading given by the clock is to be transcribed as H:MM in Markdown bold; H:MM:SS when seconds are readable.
**6:53**
